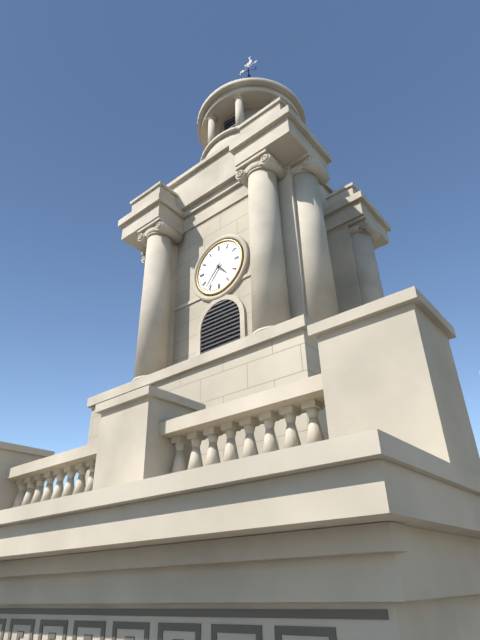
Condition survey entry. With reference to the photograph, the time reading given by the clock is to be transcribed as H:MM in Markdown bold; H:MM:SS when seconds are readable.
**4:37**
